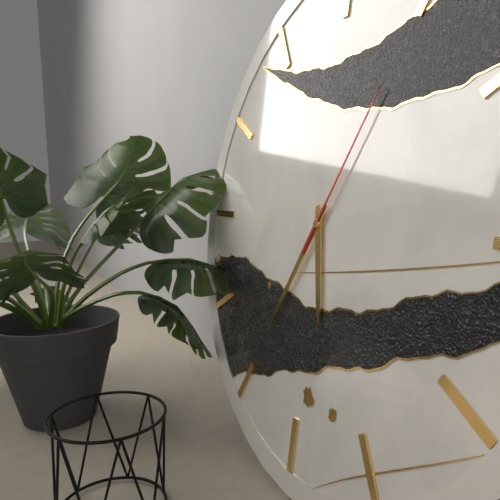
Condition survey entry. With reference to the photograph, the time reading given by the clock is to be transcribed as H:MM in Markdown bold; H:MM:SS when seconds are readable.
**5:35:05**
